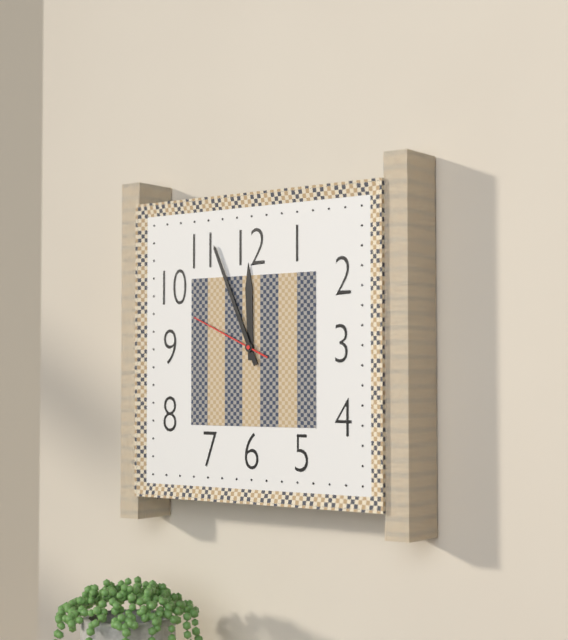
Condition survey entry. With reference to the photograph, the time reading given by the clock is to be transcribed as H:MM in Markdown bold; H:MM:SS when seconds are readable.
**11:56:49**
